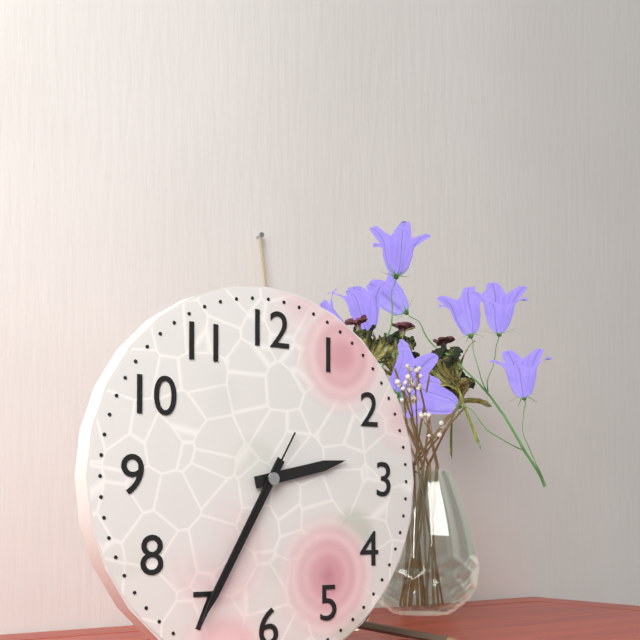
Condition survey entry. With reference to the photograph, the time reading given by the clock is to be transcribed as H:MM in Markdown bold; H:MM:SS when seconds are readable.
**2:35:35**
